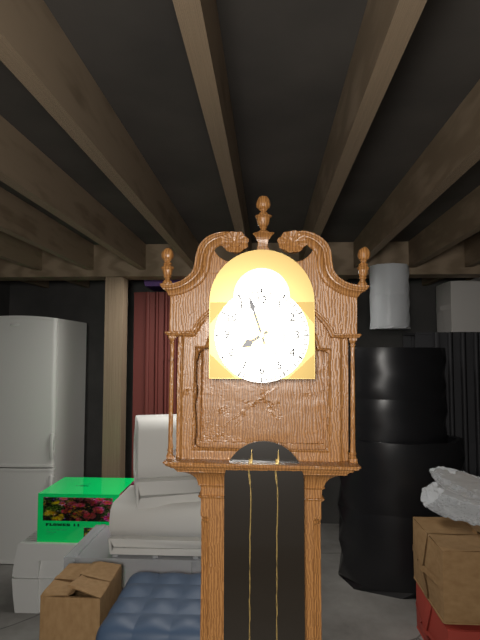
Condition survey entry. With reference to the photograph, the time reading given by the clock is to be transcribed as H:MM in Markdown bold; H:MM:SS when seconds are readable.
**7:57**
